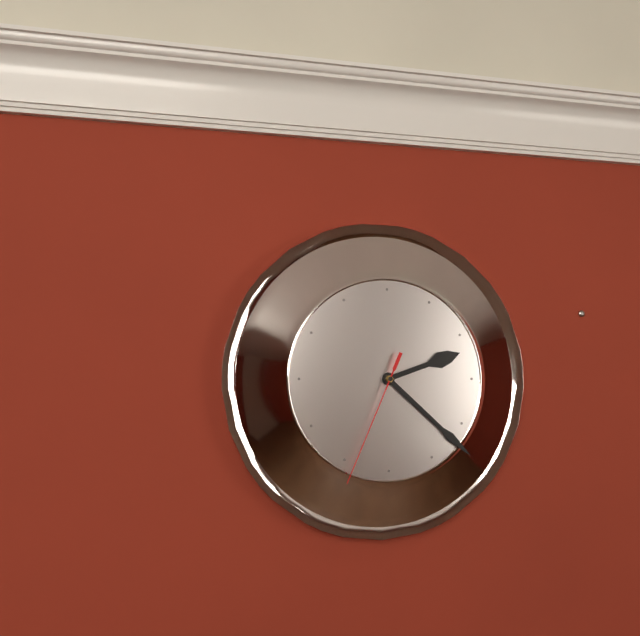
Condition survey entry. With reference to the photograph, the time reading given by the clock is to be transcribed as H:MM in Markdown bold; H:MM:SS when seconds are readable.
**2:22:34**
